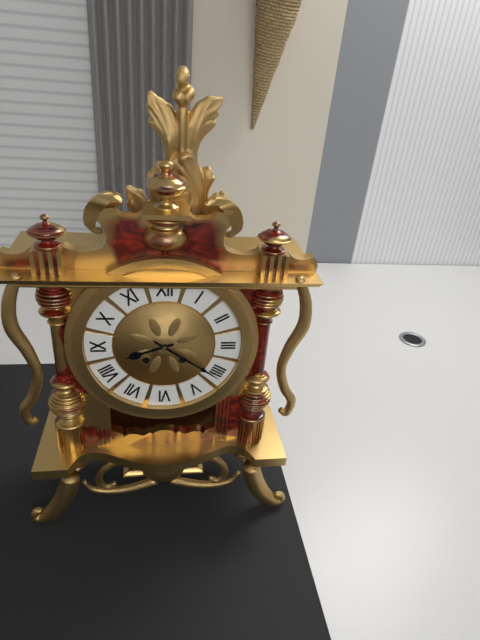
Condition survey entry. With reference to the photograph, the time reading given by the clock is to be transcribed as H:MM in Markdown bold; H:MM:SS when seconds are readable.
**8:21**
